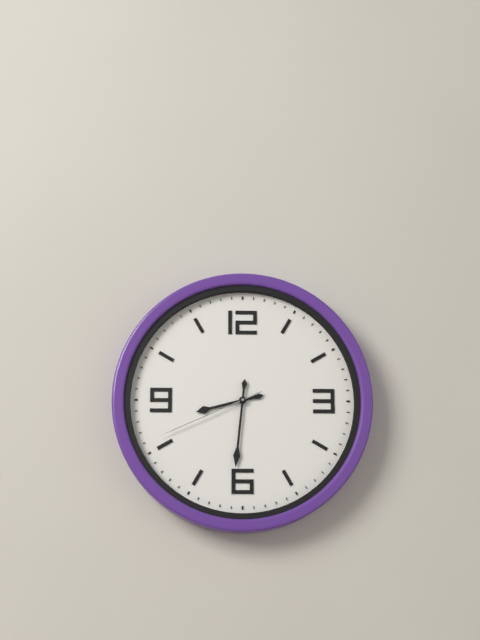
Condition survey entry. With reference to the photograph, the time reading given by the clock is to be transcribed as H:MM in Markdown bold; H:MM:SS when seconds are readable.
**8:31:41**
